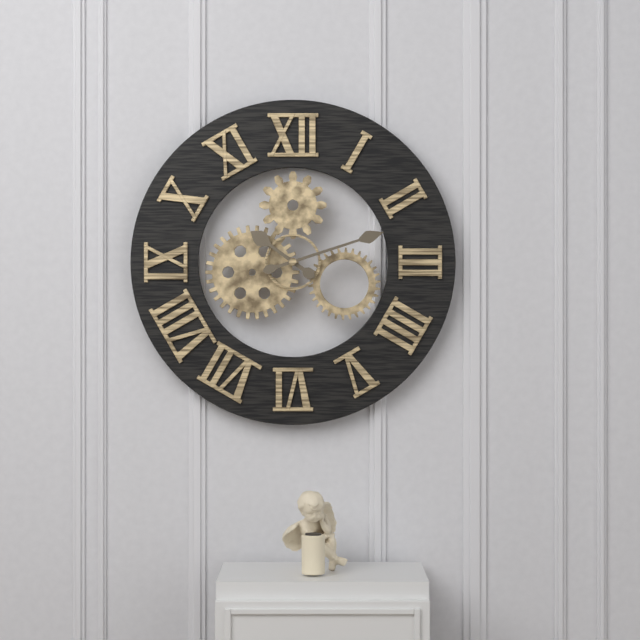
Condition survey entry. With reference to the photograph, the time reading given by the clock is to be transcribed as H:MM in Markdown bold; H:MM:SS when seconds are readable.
**10:12**
